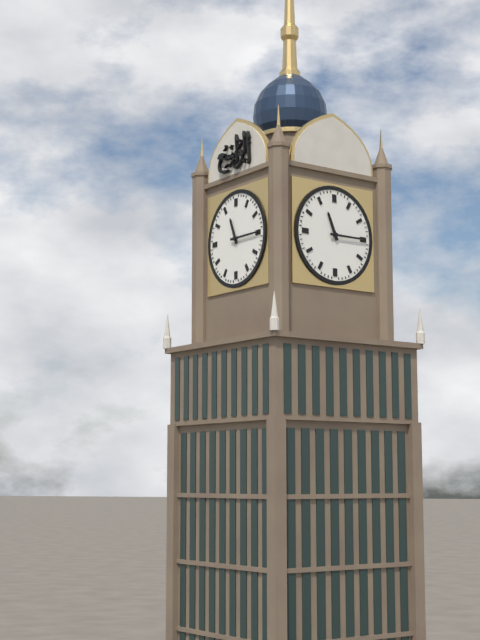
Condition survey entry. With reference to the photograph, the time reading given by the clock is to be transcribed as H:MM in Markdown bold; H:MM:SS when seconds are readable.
**11:15**
